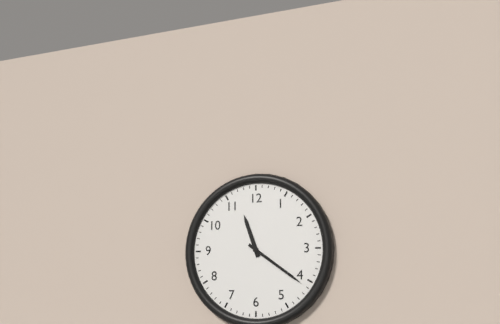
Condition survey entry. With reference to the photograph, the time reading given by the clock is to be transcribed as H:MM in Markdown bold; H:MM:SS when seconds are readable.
**11:21**
